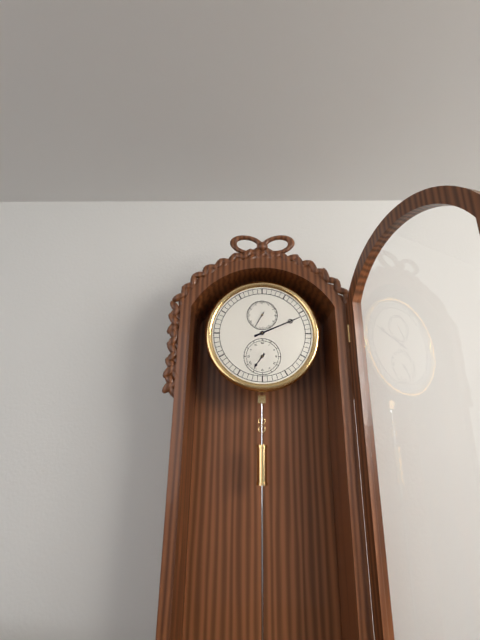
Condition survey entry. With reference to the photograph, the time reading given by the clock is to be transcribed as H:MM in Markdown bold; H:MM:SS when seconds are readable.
**7:11**
